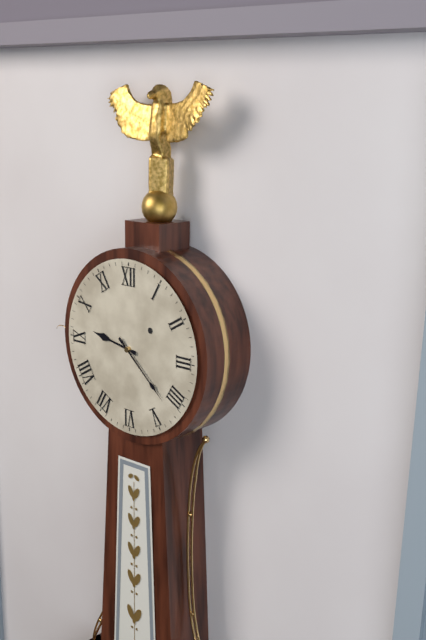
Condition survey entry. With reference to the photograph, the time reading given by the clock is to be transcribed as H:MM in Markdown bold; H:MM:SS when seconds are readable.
**9:22**
